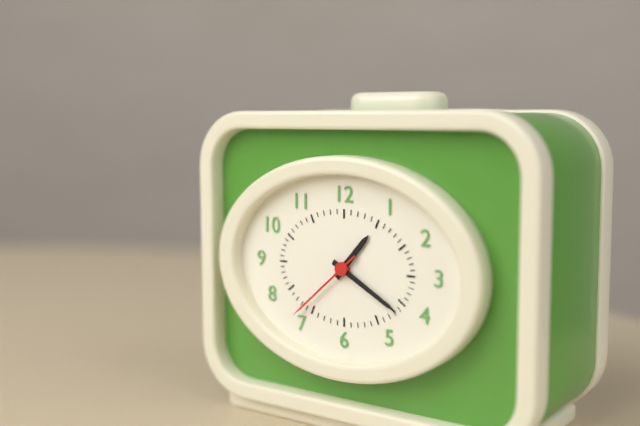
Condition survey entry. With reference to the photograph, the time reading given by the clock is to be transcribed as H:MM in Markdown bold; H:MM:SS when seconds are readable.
**1:20:38**
